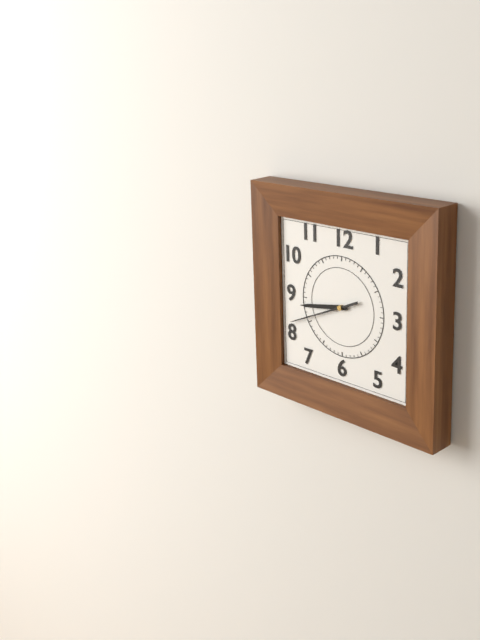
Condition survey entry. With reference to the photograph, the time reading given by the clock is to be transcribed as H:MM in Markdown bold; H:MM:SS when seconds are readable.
**8:41**
